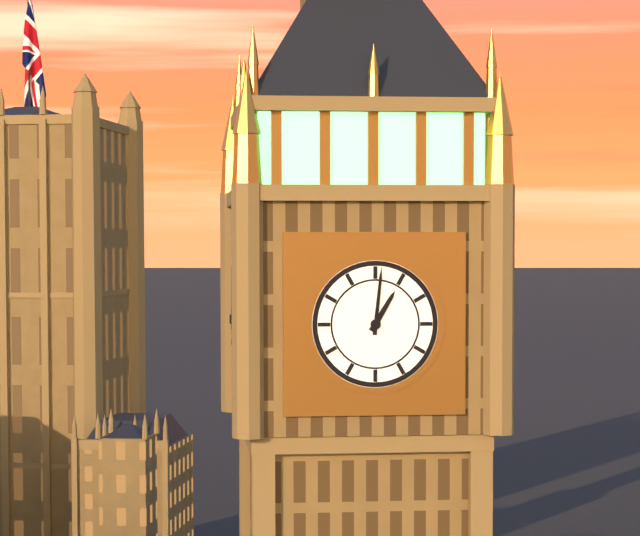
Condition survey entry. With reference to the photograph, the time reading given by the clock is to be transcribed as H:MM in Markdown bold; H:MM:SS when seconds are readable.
**1:01**
